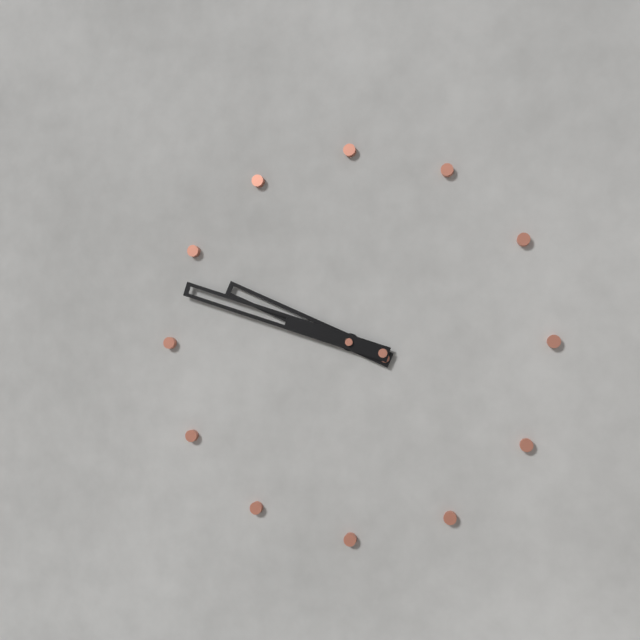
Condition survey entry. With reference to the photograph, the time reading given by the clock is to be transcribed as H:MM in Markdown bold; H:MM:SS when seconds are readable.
**9:48**
